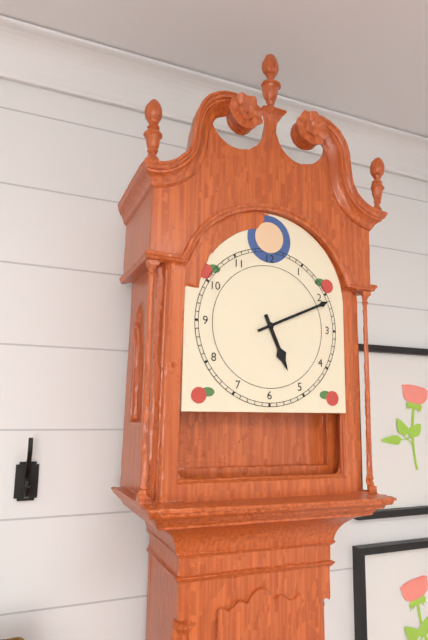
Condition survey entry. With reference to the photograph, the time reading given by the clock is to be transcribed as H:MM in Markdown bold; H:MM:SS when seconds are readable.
**5:11**
